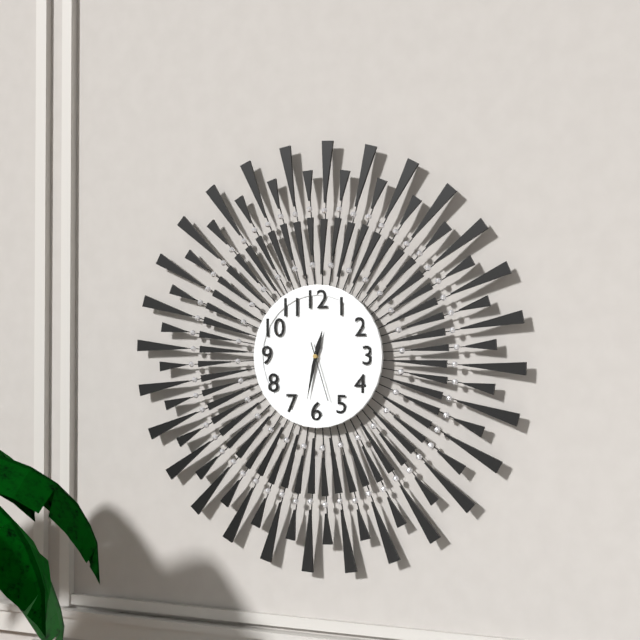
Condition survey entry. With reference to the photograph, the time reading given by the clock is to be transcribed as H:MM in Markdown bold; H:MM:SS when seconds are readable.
**12:32:27**
